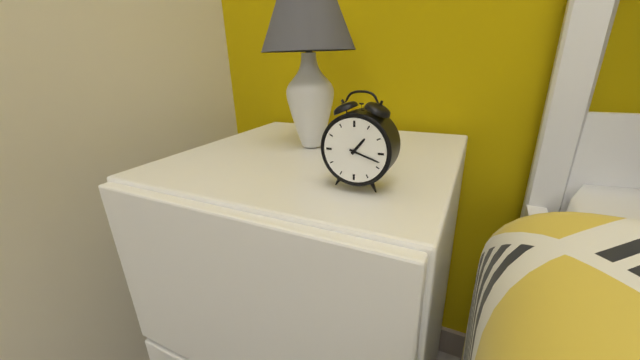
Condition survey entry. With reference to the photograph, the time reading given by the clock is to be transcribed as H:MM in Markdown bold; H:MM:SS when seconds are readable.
**1:18**
